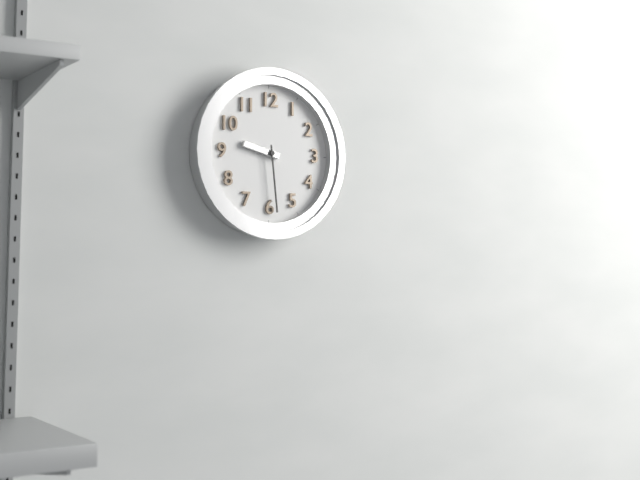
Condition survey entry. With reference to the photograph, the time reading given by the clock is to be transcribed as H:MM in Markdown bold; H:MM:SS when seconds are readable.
**9:29**
